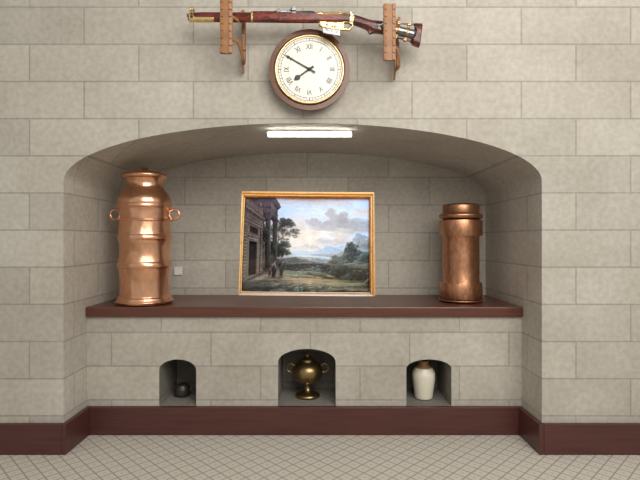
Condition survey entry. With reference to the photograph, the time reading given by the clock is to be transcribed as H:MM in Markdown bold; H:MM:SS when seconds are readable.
**7:50**
